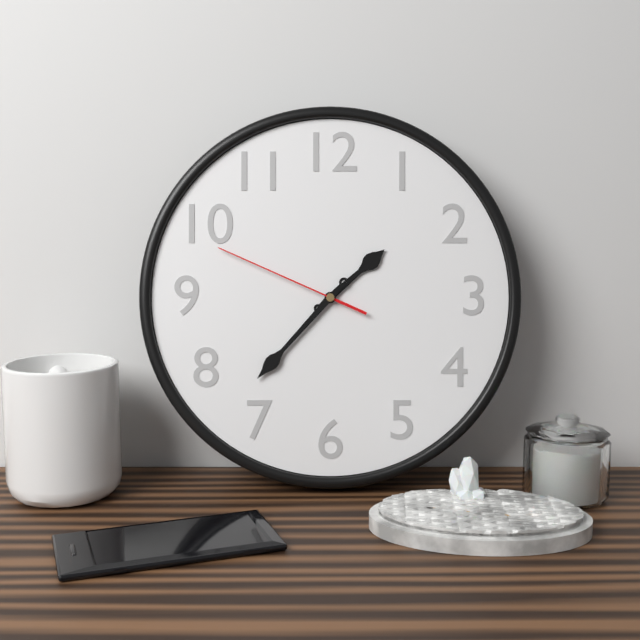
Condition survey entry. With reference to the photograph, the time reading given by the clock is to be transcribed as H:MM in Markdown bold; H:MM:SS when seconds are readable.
**1:37:49**
